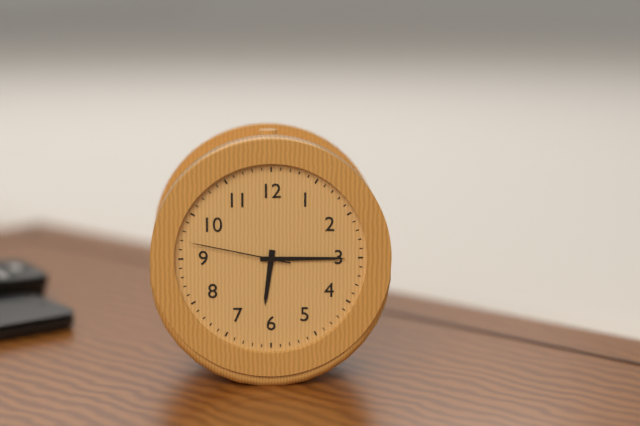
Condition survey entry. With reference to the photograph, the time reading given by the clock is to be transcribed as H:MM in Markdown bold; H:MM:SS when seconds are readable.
**6:15:47**
